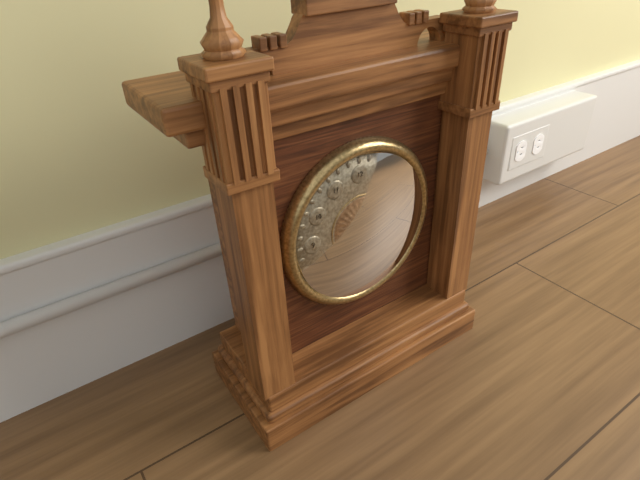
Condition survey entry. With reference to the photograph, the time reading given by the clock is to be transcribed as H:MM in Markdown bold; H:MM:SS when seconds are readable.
**5:17**
